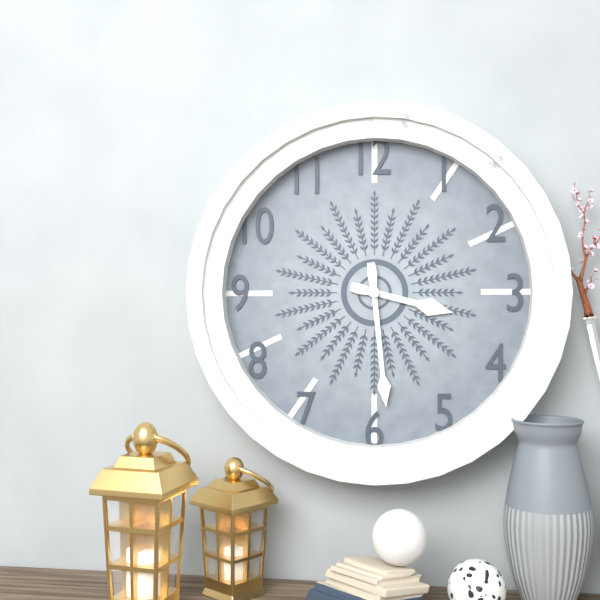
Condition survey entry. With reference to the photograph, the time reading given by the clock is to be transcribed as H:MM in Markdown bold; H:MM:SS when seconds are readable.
**3:29**
